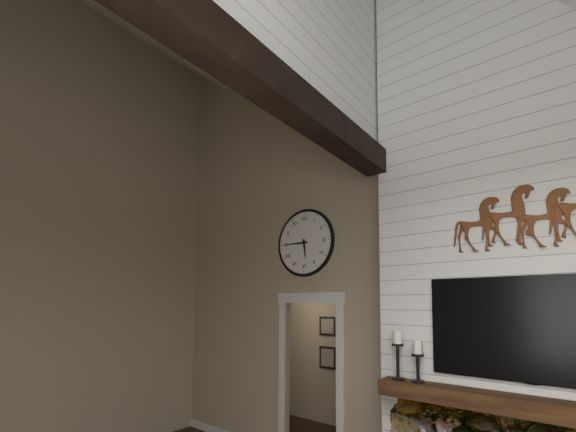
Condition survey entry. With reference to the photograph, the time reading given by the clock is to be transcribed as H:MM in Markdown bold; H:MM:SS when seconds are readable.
**5:45**
